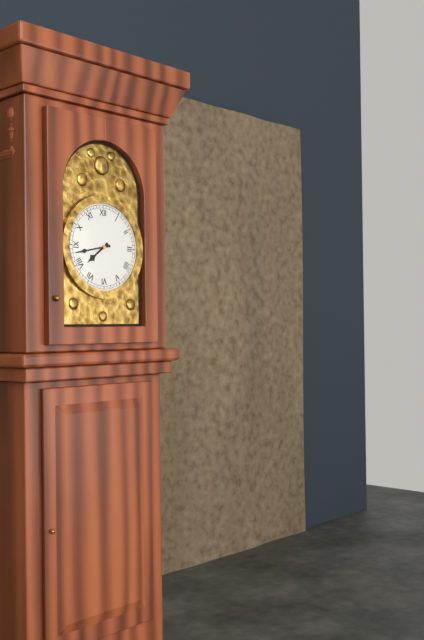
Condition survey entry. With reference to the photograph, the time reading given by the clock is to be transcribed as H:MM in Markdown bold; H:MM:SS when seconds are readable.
**7:43**
